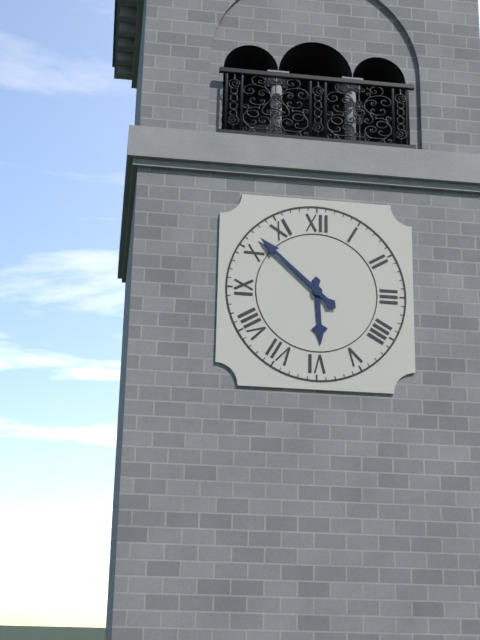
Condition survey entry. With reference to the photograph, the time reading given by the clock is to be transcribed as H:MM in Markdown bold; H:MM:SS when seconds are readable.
**5:52**
